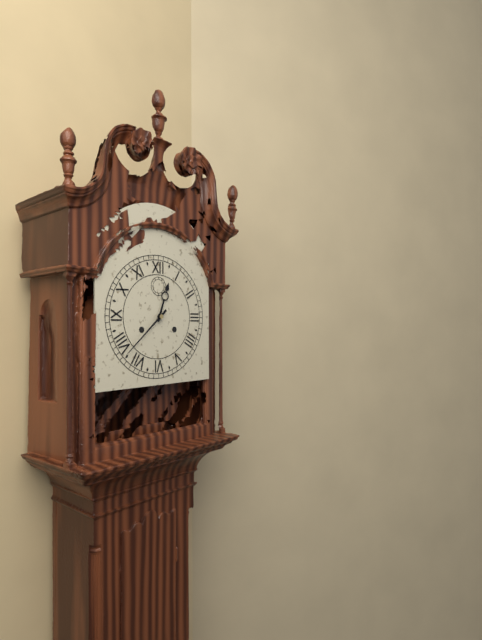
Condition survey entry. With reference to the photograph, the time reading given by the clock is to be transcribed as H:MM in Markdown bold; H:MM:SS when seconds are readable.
**12:38**
